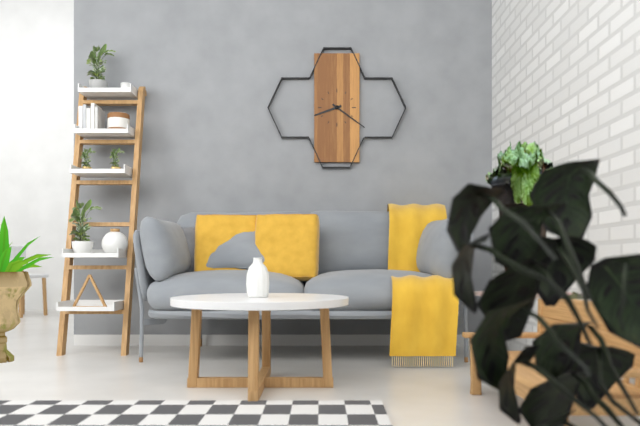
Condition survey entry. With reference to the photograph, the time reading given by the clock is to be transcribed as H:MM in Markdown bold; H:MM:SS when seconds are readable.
**8:21**
